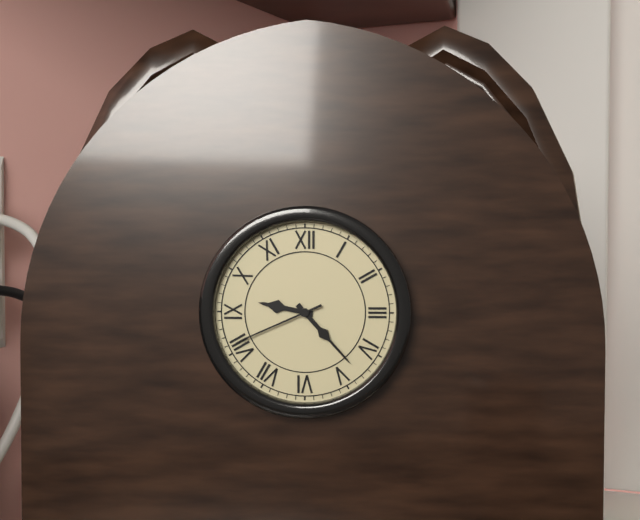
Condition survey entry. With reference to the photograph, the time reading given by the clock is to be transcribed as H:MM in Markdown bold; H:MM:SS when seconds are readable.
**9:23:41**
